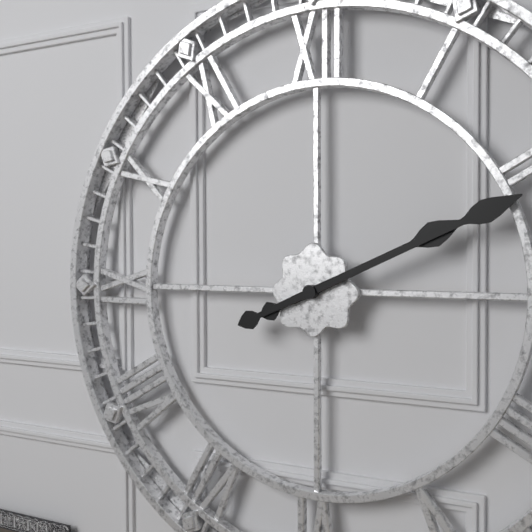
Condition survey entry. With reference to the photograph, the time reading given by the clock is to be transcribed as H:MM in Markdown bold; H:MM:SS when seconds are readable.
**2:11**
